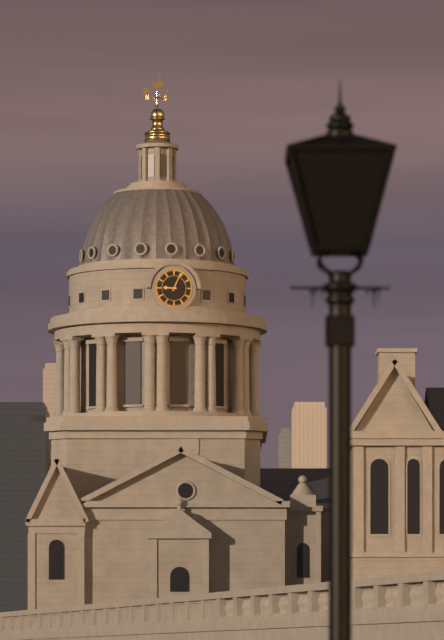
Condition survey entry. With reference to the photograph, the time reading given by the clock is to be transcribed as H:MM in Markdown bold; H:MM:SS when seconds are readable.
**9:04**
